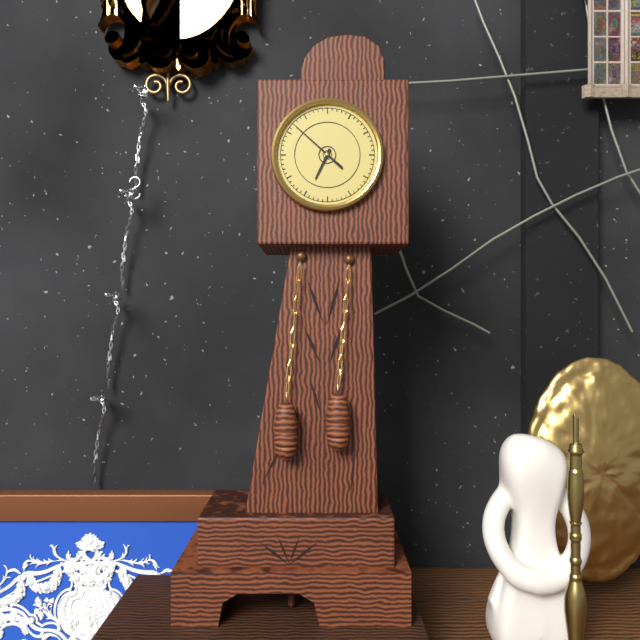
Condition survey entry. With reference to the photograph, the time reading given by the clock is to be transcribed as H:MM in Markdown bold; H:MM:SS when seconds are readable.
**6:52**
